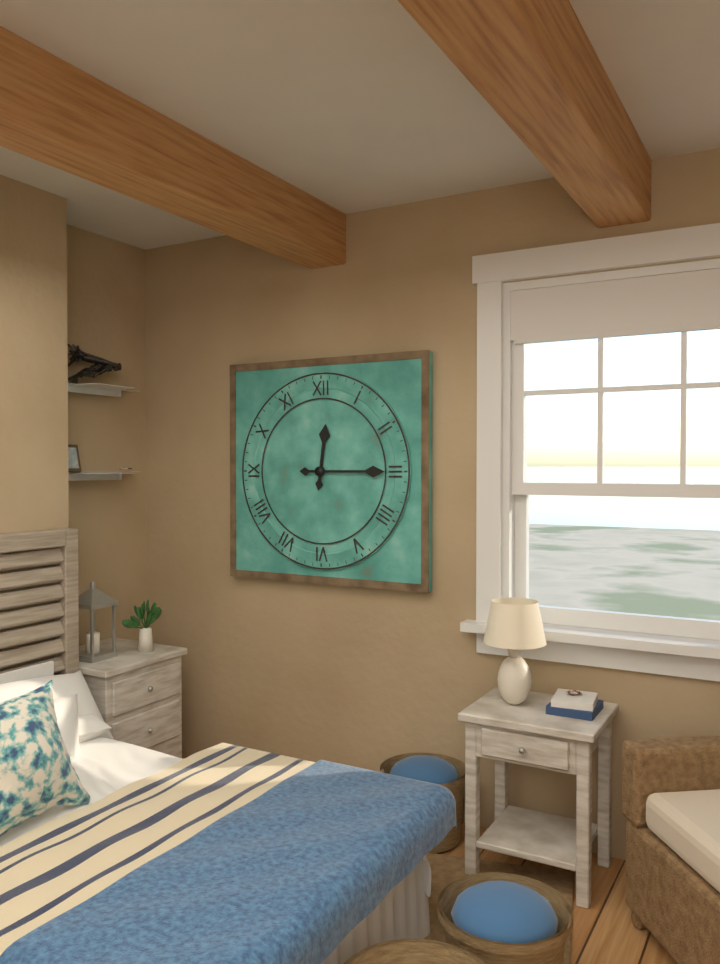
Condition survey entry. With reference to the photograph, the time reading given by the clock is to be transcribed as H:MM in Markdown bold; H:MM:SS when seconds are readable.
**12:15**
